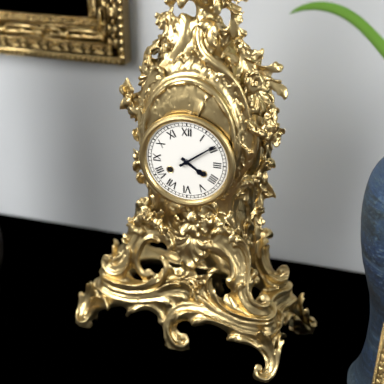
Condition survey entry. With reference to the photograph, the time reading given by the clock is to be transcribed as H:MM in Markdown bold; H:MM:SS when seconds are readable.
**4:09**
